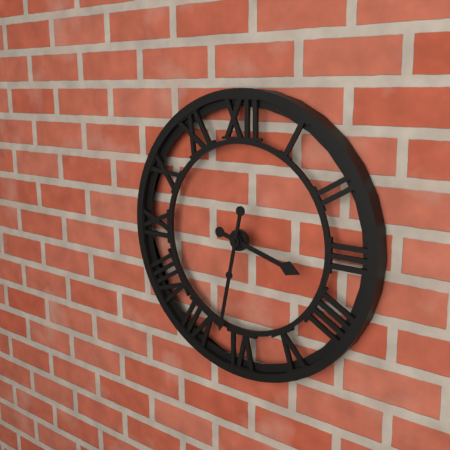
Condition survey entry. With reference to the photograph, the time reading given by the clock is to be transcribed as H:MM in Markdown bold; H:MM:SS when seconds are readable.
**3:32**
